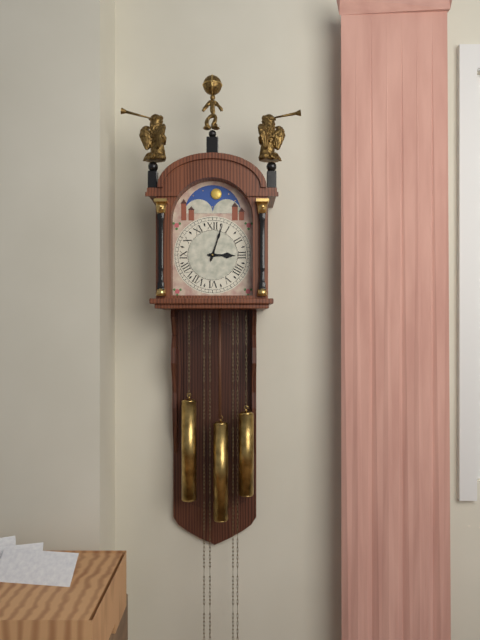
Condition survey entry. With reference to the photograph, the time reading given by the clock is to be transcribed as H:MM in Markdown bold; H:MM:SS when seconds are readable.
**3:03**
